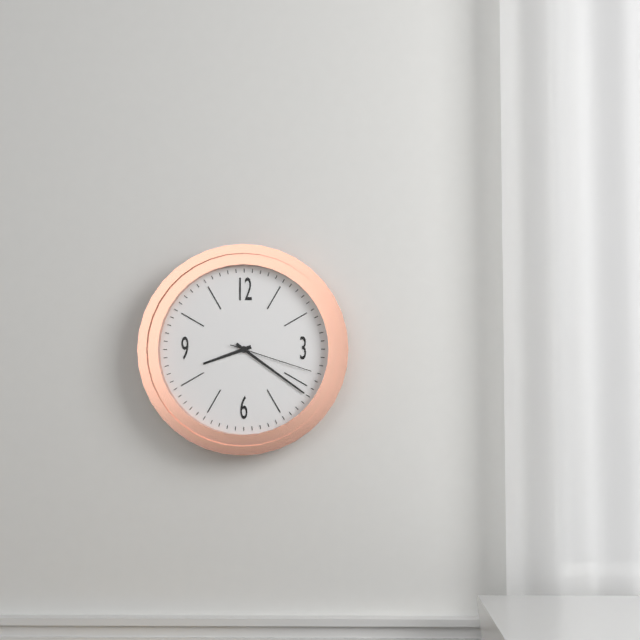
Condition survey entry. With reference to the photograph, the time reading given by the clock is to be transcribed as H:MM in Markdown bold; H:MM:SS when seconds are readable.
**8:21:18**
